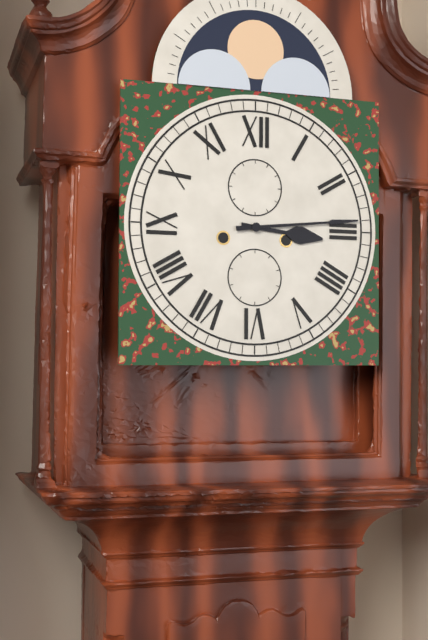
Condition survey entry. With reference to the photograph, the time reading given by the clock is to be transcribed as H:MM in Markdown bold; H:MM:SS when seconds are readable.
**3:14**
